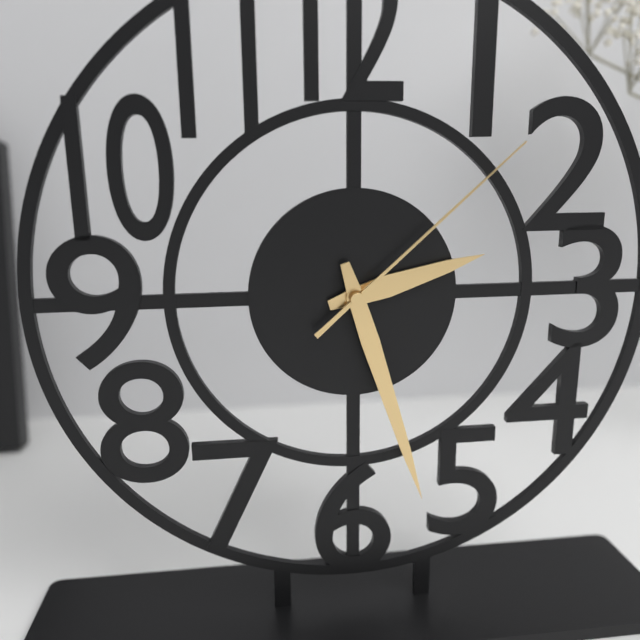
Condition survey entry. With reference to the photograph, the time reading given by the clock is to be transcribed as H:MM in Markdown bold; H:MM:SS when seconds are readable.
**2:27:08**
